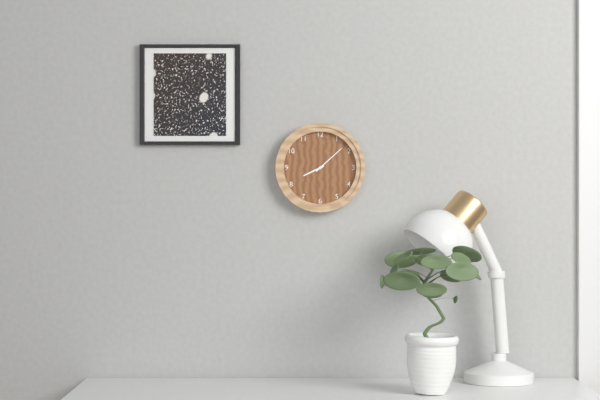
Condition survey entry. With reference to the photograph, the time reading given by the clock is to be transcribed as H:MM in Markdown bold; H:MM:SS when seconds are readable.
**8:08**
